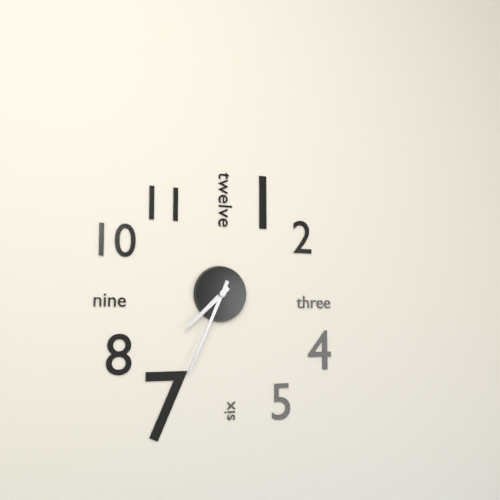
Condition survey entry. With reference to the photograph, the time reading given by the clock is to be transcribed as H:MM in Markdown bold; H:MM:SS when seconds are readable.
**7:34**
